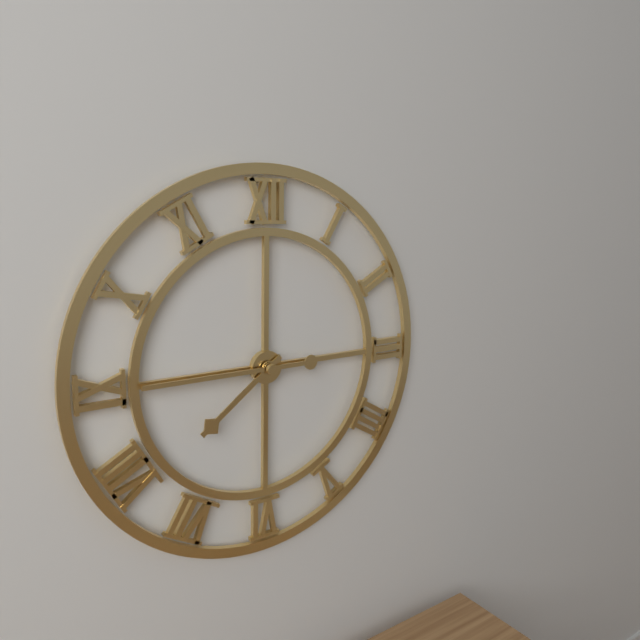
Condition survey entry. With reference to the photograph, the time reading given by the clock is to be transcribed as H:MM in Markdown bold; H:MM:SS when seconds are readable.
**7:45**
